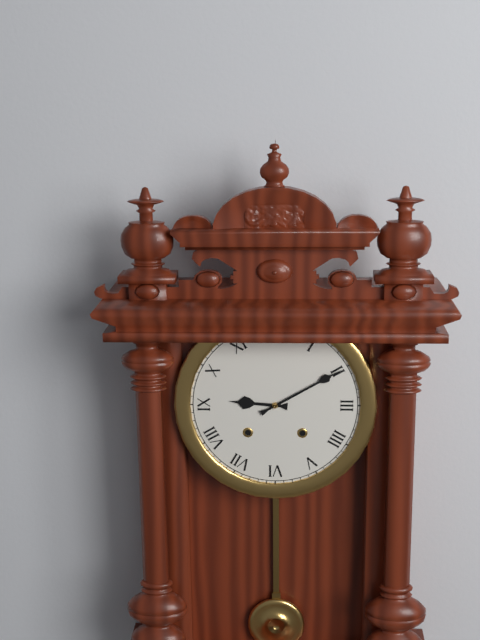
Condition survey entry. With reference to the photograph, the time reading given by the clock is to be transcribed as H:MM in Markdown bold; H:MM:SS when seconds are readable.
**9:10**
